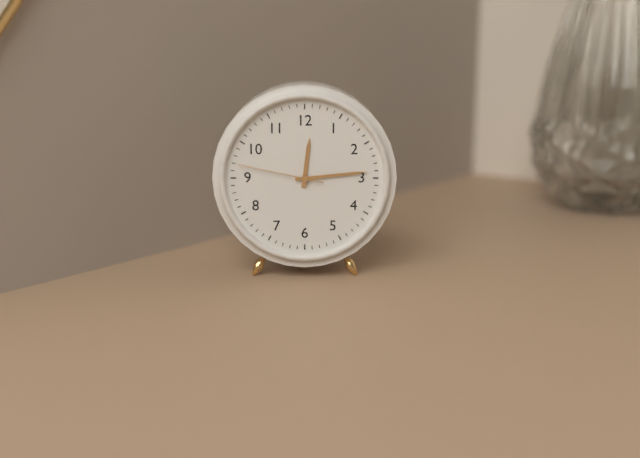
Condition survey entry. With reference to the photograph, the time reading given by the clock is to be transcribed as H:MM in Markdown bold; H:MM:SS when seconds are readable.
**12:14:47**
